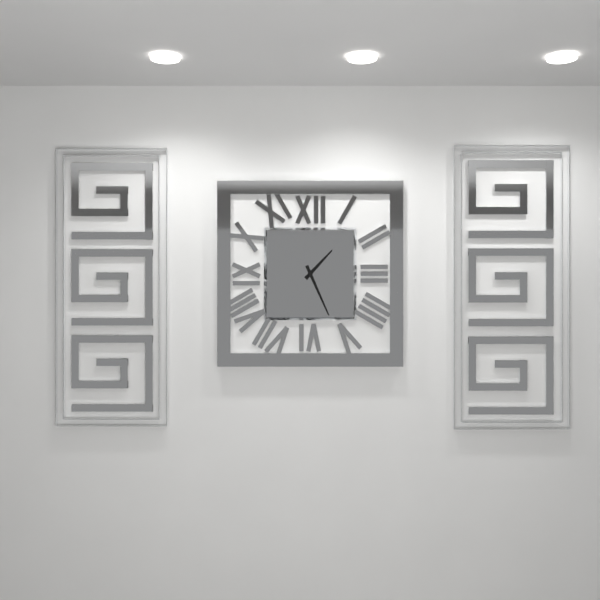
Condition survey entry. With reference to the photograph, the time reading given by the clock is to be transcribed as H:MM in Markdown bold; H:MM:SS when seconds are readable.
**1:26**
